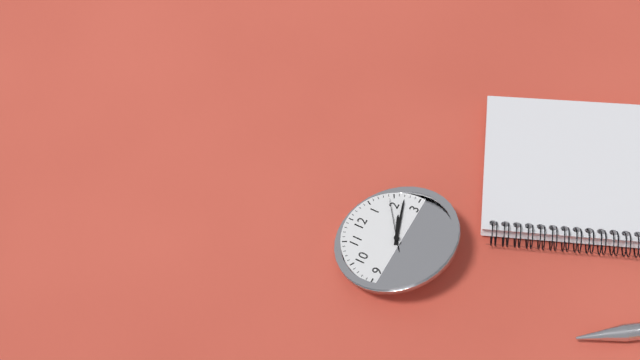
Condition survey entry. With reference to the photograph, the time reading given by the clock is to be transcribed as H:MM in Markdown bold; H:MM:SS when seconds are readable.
**2:12:09**
